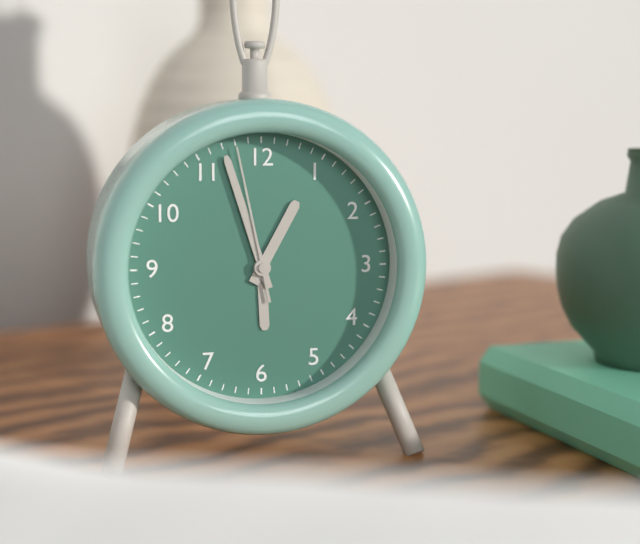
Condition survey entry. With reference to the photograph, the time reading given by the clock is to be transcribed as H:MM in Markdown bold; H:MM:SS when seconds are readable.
**12:57:58**
